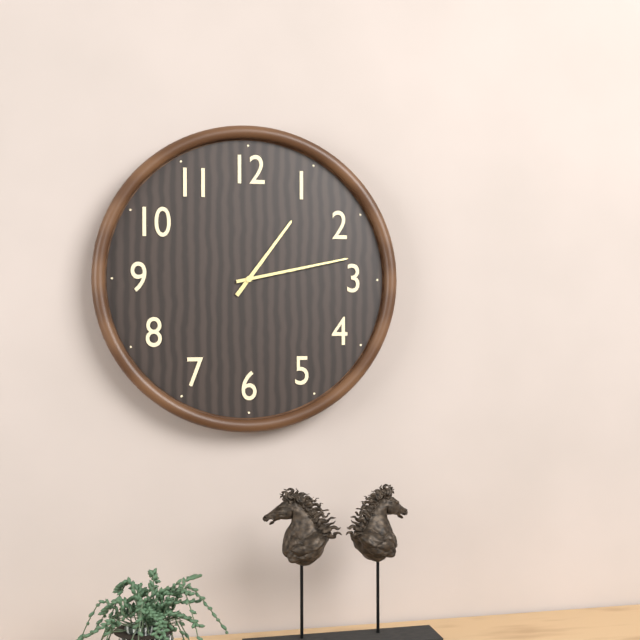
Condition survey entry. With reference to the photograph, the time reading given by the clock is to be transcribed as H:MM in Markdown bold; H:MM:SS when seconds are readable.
**1:13**
